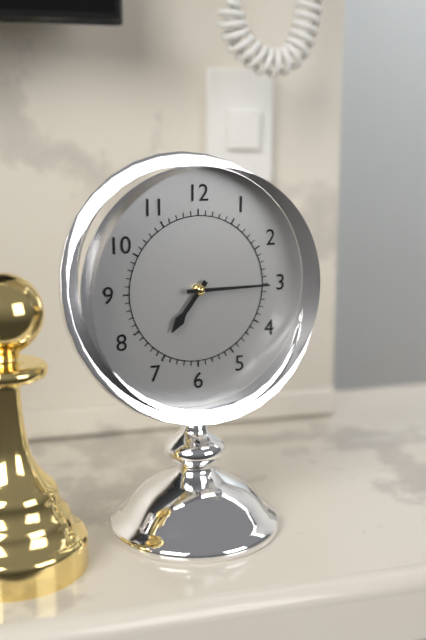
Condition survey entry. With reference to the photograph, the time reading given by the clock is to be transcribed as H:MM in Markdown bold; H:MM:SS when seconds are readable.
**7:15**
